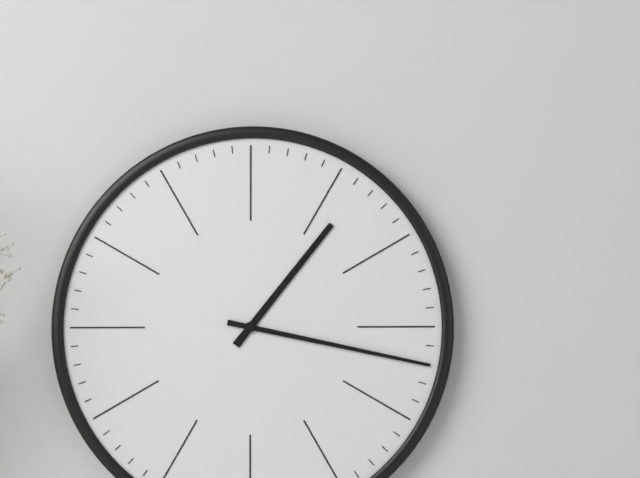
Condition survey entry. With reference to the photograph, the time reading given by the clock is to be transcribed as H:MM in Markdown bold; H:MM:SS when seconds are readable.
**1:17**
